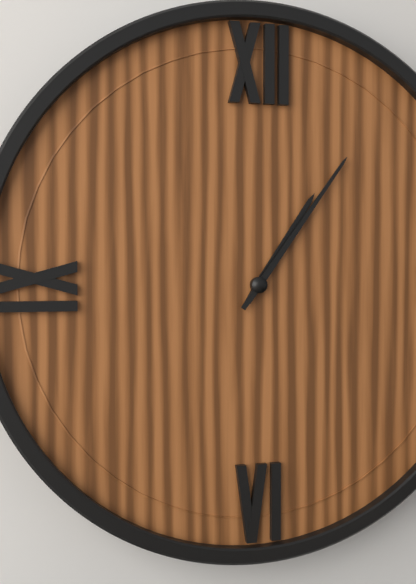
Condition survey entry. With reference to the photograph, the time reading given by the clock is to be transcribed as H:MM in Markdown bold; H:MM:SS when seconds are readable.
**1:06**
